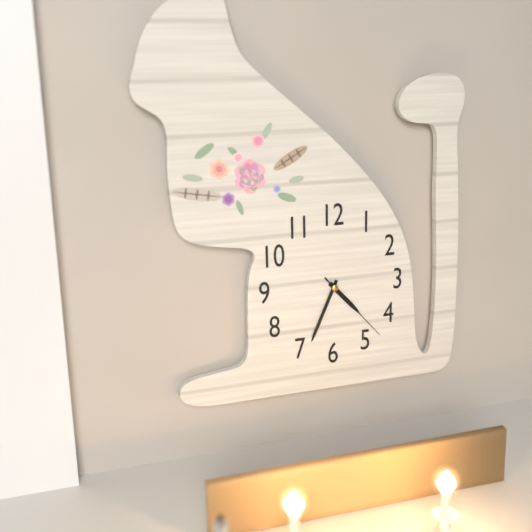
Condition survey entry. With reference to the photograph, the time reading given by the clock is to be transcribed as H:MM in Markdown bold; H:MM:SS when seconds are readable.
**4:34:23**
